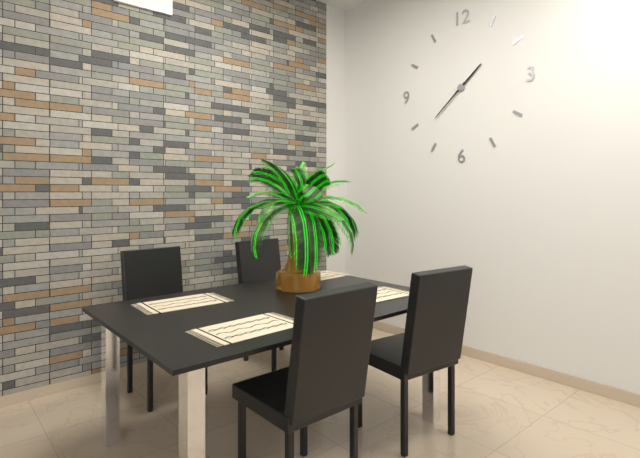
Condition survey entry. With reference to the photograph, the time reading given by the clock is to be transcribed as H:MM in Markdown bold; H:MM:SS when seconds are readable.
**1:38**
